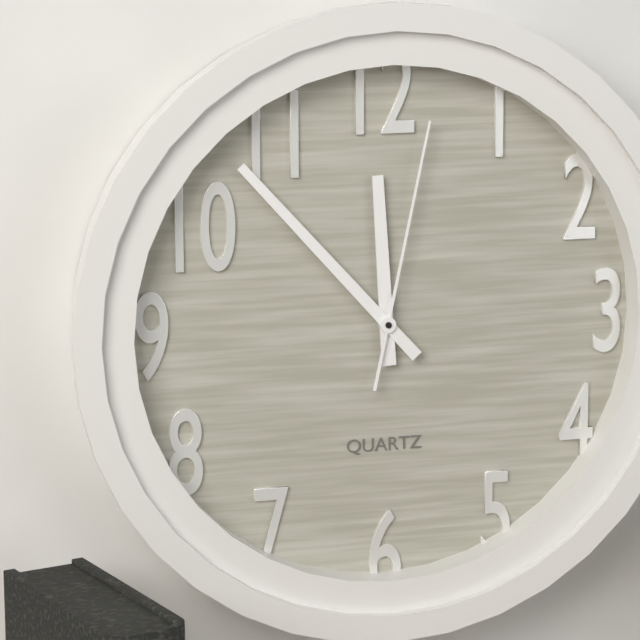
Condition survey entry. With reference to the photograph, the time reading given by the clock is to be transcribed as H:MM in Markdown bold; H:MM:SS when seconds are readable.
**11:53:02**
